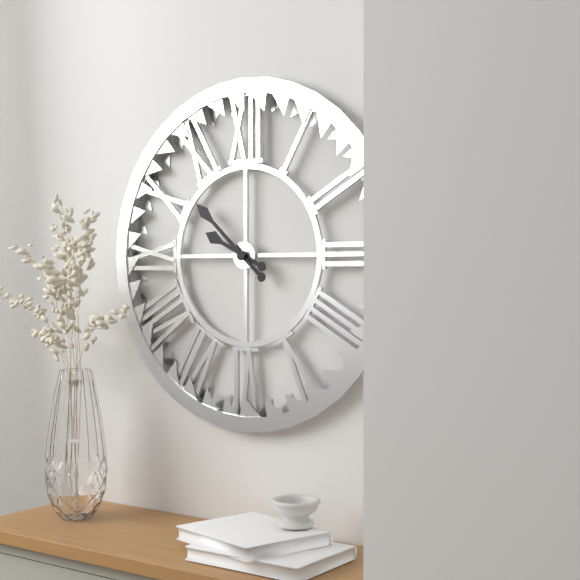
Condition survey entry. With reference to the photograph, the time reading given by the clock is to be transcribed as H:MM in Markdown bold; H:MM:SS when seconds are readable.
**9:52**
